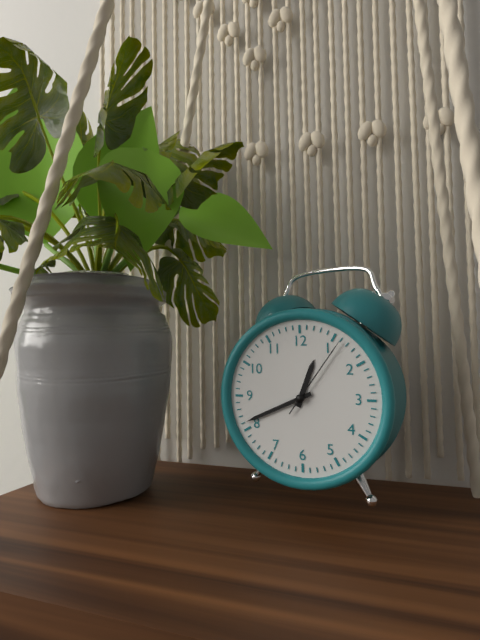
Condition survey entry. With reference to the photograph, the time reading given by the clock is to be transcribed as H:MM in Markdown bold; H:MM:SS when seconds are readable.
**12:41:06**
